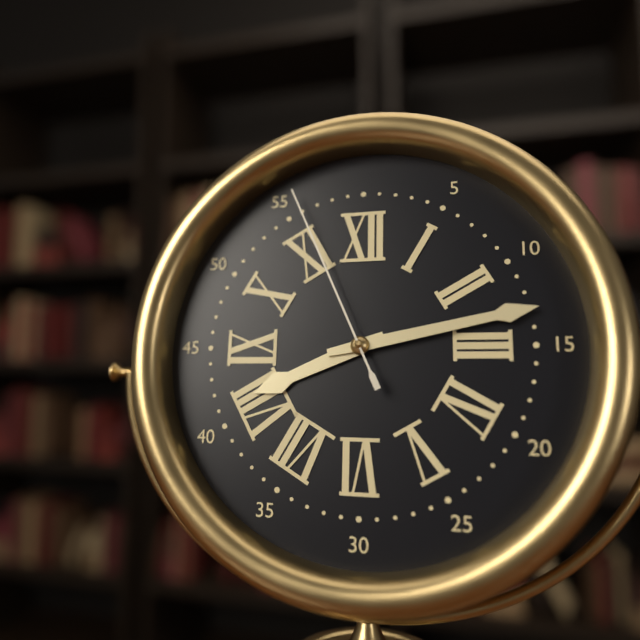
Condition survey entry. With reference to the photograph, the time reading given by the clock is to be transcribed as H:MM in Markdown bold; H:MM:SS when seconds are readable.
**8:13:56**
